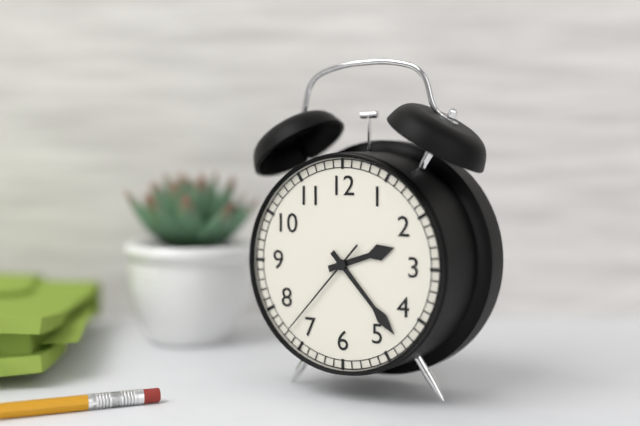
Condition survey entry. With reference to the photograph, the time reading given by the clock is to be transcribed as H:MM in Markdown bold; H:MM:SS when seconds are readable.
**2:23:37**
